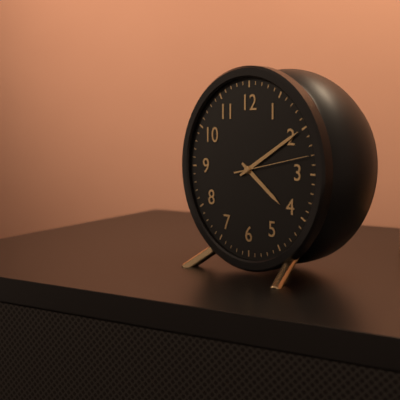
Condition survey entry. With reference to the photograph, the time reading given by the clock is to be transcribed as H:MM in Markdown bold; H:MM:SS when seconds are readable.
**4:10:13**
